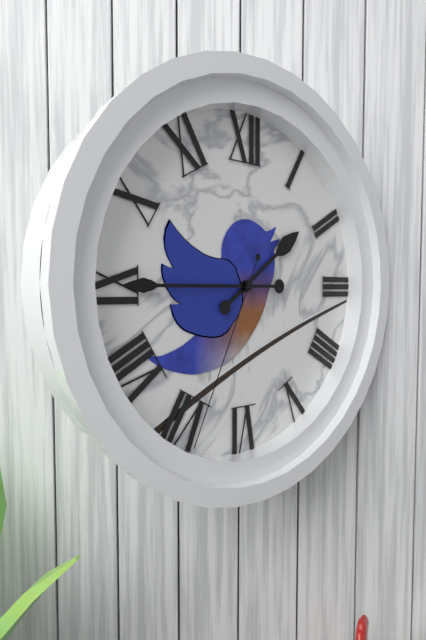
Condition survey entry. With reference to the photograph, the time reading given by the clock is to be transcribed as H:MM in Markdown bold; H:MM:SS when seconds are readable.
**1:45:34**
